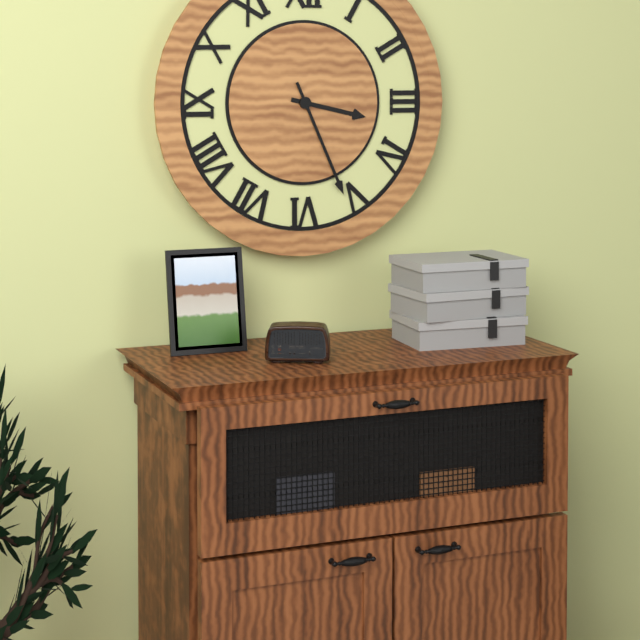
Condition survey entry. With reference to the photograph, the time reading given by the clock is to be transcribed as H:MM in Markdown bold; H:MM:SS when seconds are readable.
**3:26**
